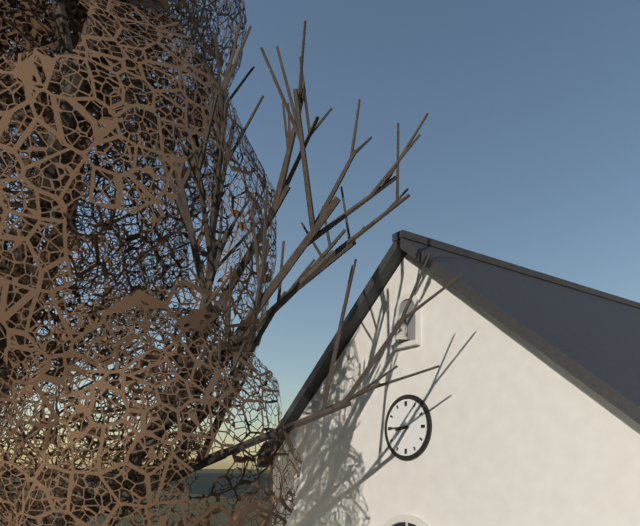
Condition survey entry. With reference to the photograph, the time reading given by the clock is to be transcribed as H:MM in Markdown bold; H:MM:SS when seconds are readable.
**8:45**
